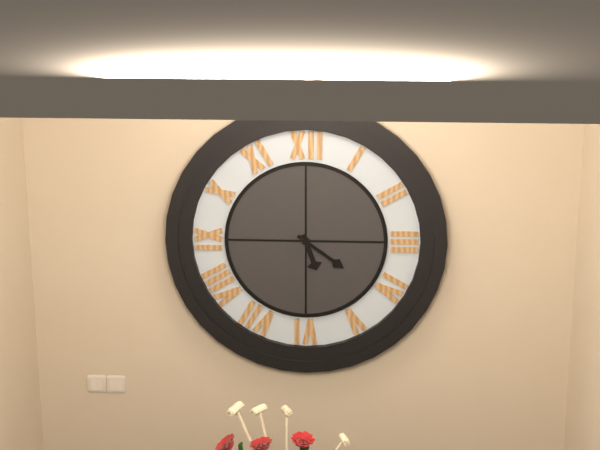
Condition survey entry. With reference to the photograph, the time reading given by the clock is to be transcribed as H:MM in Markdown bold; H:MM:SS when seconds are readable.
**5:21**
